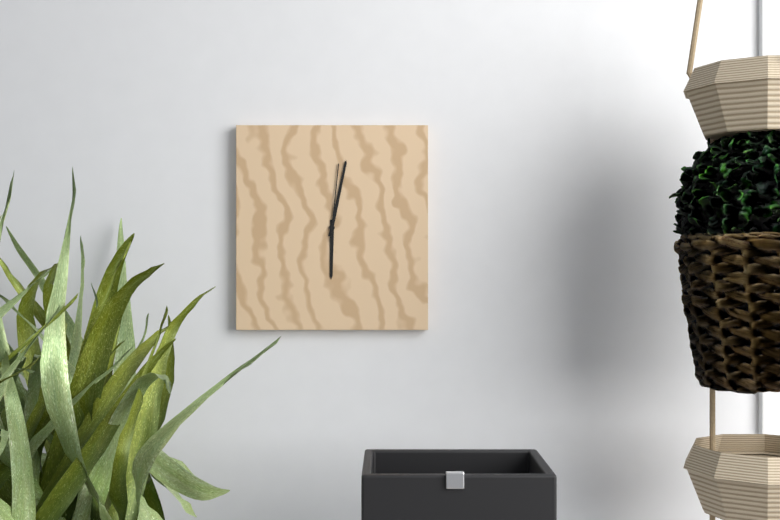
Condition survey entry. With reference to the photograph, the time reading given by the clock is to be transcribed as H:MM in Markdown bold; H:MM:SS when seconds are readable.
**6:02:01**
